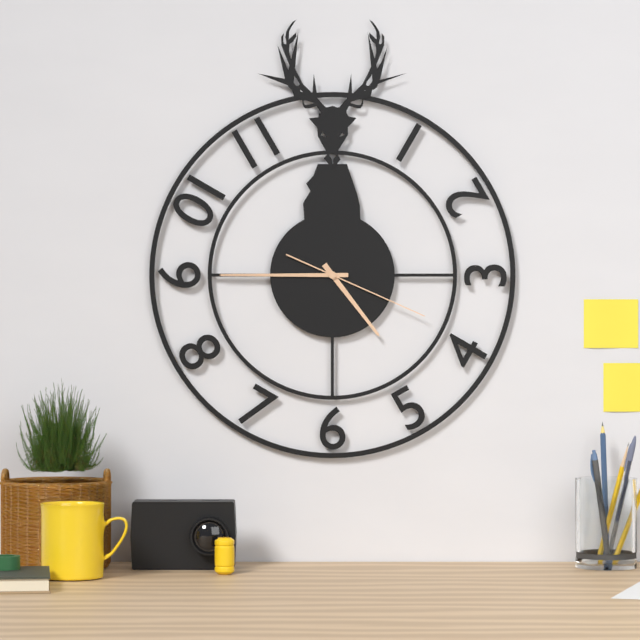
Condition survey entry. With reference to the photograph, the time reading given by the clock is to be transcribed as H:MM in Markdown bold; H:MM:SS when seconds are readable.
**4:45:19**
